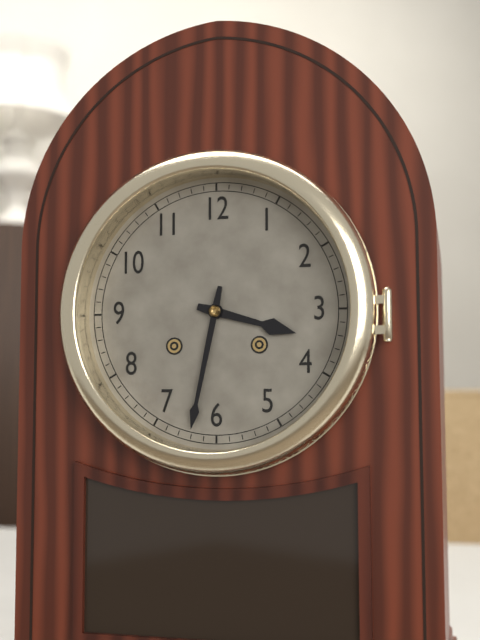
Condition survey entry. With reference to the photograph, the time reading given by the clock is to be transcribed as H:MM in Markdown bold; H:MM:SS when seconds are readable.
**3:32**
